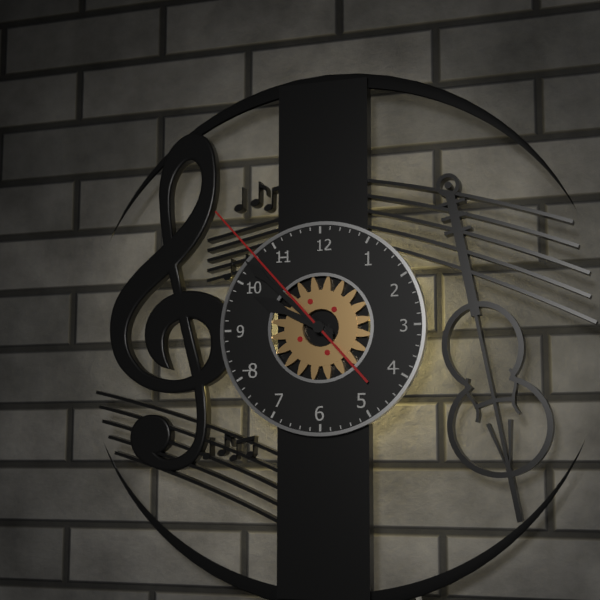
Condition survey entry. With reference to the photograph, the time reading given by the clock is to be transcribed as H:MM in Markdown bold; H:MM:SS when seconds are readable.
**9:52:53**
